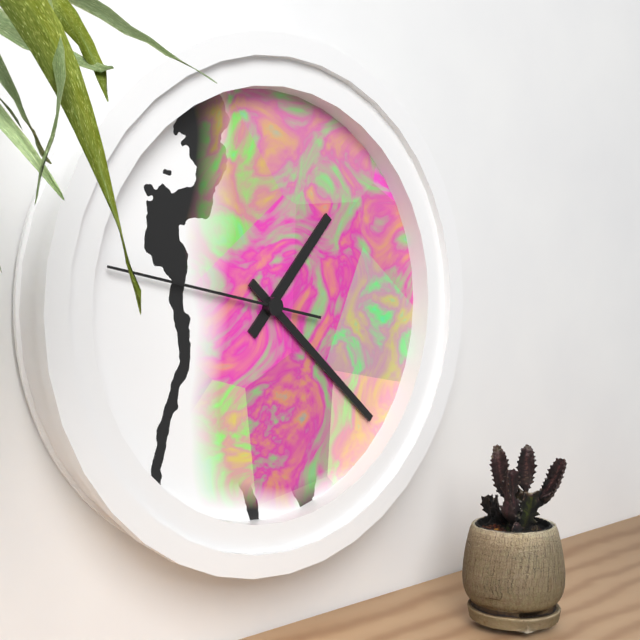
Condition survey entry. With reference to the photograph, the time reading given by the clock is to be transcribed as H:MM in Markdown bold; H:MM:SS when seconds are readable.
**1:22:47**
